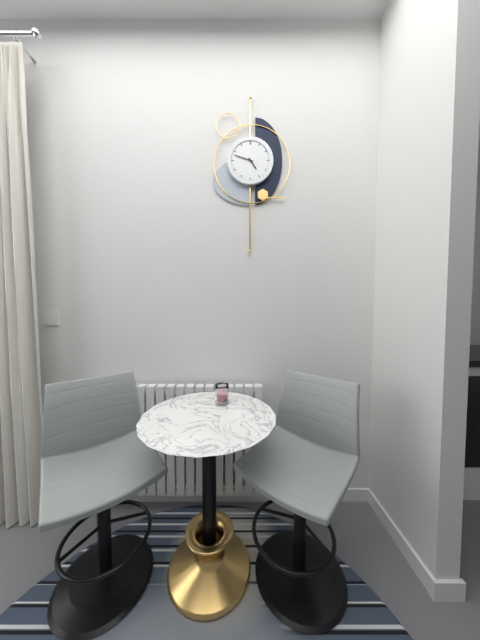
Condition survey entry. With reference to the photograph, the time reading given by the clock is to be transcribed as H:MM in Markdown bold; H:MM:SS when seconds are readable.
**4:48**
